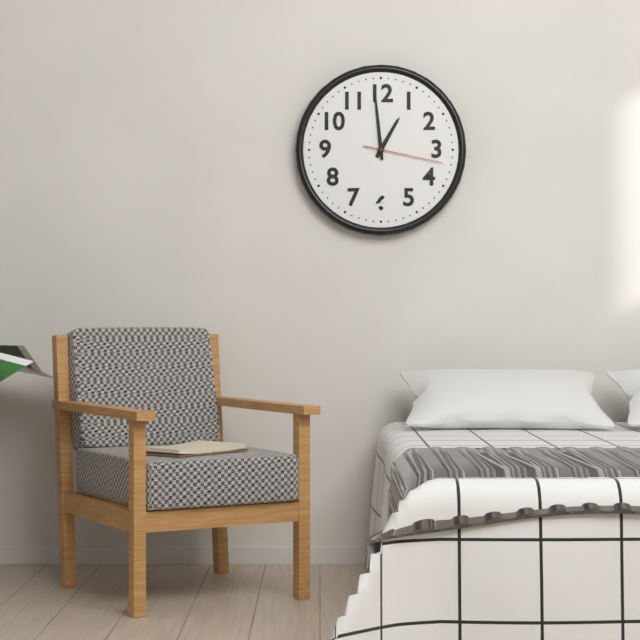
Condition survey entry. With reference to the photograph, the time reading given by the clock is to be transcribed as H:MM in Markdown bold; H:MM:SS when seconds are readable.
**12:59:17**
